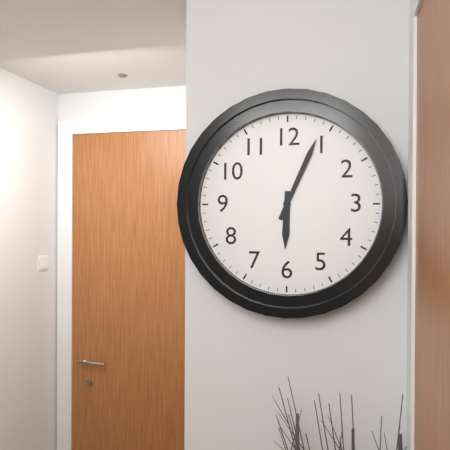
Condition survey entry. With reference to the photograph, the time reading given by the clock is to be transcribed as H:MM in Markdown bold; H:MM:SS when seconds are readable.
**6:04**
